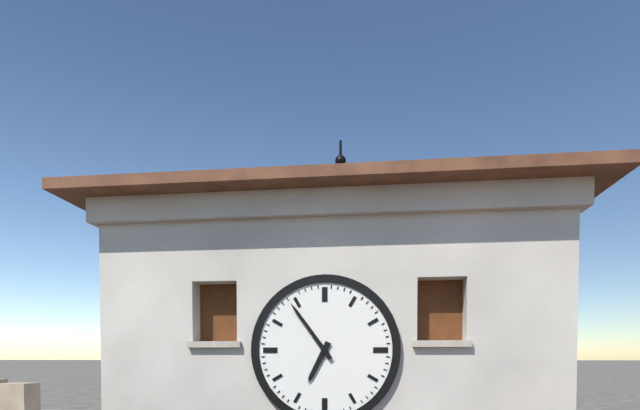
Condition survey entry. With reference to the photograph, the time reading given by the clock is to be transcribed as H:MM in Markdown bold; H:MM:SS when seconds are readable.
**6:54**
